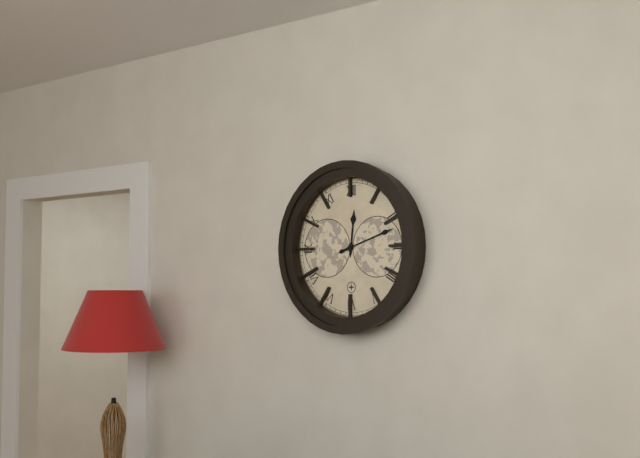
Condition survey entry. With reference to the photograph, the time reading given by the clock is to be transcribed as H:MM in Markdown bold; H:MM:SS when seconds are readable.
**12:12**
